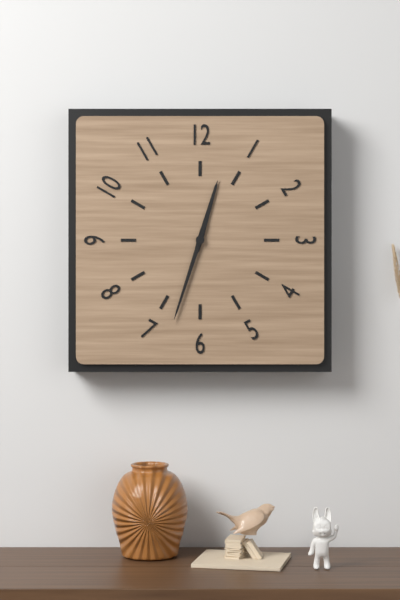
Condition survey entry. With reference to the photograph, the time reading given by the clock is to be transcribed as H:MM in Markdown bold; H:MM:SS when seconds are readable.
**12:33**
